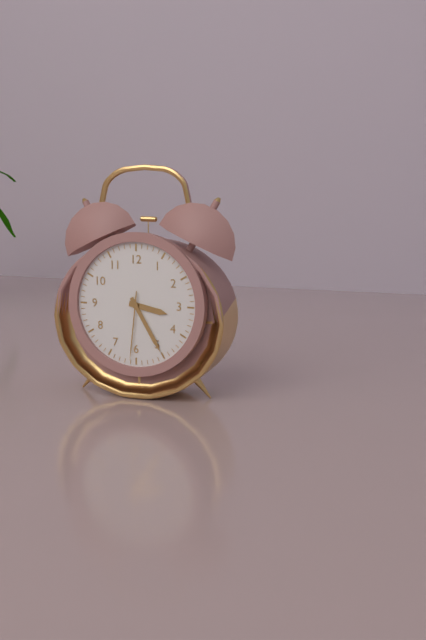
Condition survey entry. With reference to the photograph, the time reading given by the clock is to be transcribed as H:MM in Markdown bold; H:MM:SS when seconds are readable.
**3:25:31**
